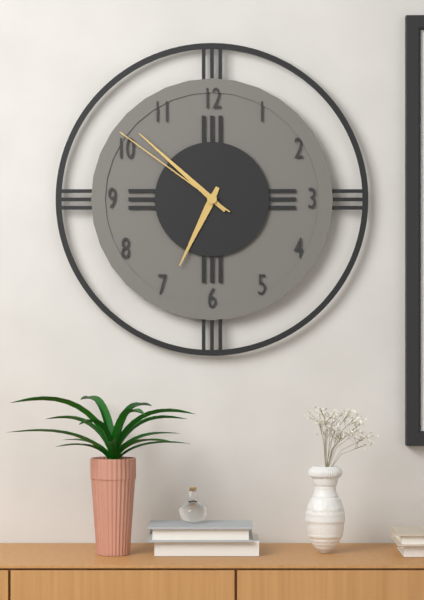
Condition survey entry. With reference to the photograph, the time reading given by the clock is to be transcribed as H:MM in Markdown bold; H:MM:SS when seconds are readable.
**6:52:51**
